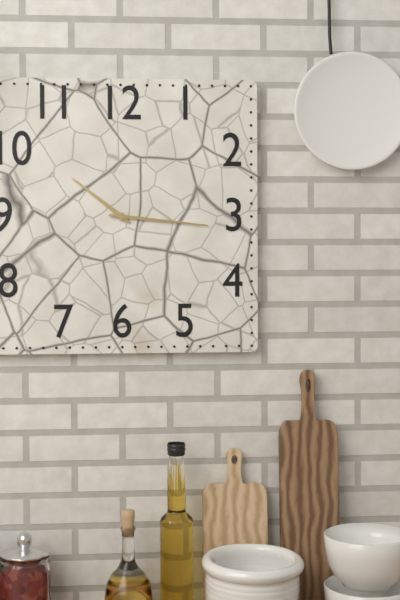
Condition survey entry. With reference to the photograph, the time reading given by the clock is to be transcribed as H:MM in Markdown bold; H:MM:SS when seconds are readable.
**10:16**
